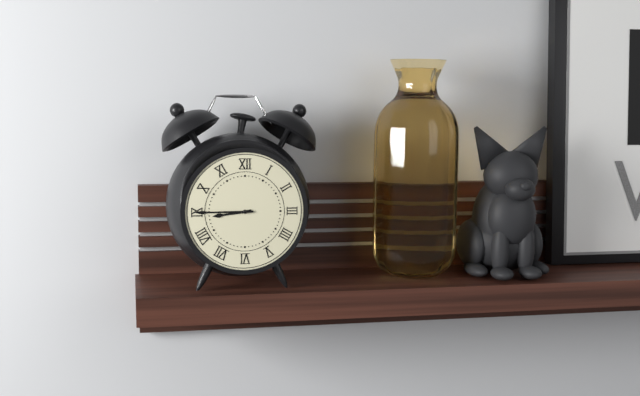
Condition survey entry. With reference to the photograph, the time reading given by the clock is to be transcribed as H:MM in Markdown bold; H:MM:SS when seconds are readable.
**8:45**
